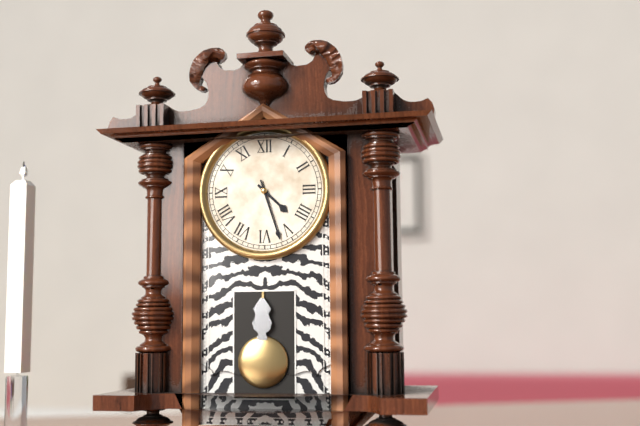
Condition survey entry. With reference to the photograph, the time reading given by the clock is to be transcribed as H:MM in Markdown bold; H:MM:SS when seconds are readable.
**4:27**
